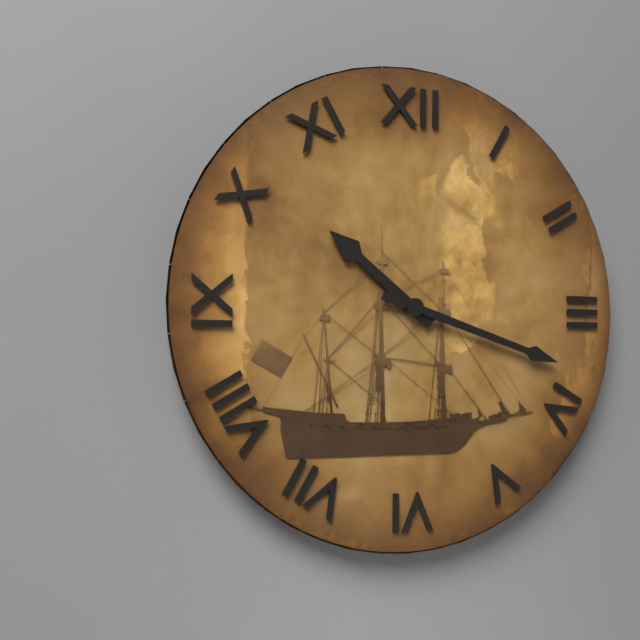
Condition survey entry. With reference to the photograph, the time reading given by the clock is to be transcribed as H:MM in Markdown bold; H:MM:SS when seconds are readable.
**10:18**
